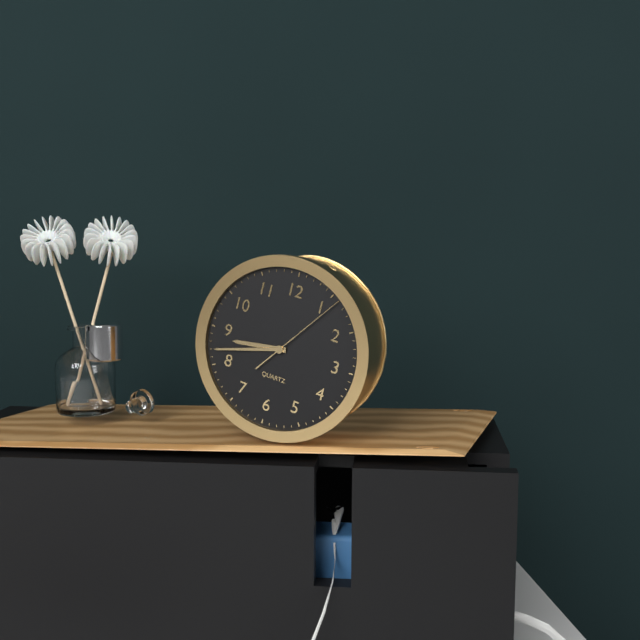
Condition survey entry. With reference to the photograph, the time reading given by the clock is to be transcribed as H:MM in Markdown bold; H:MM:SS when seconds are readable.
**8:42:06**
